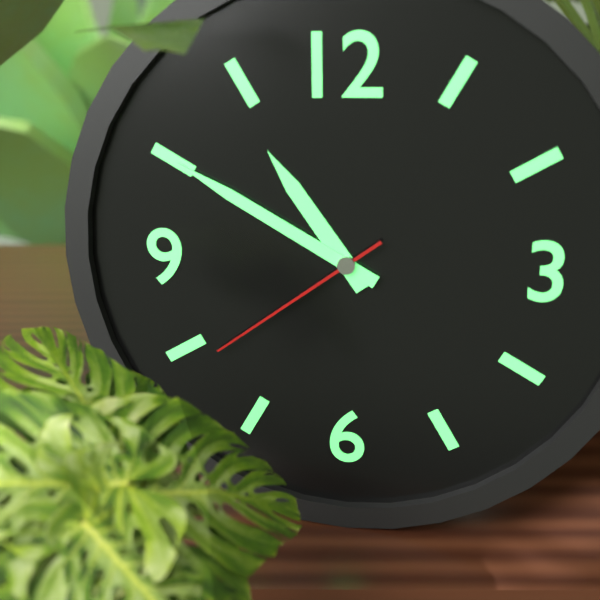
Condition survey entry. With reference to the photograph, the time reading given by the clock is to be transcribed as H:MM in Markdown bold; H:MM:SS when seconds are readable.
**10:50:39**
